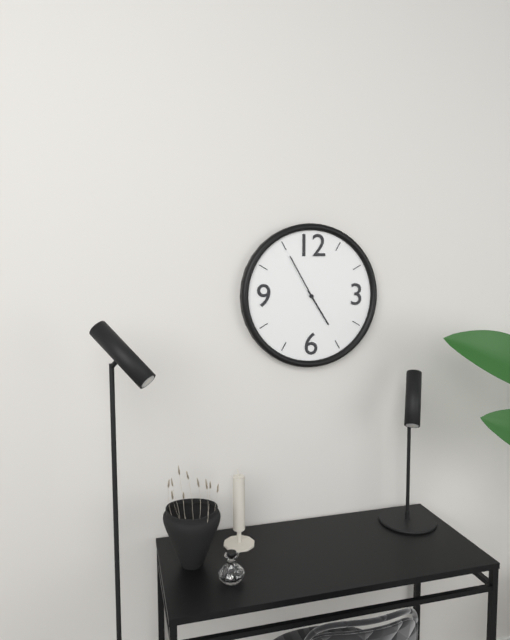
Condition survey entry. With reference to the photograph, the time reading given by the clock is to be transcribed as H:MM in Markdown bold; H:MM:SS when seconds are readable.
**4:55**
